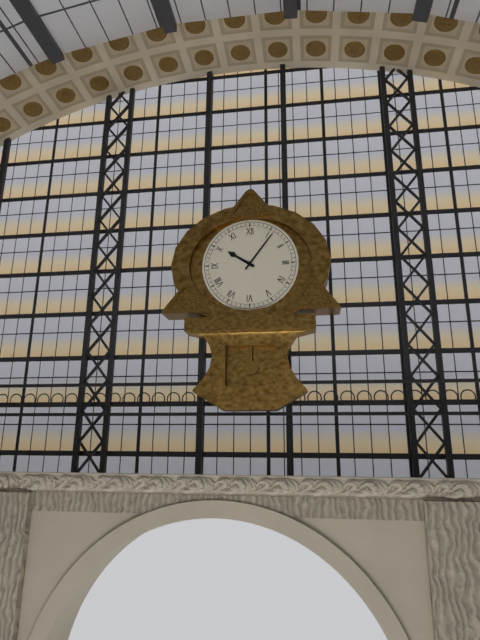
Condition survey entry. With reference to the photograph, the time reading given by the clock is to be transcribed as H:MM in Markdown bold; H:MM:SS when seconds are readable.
**10:06**
